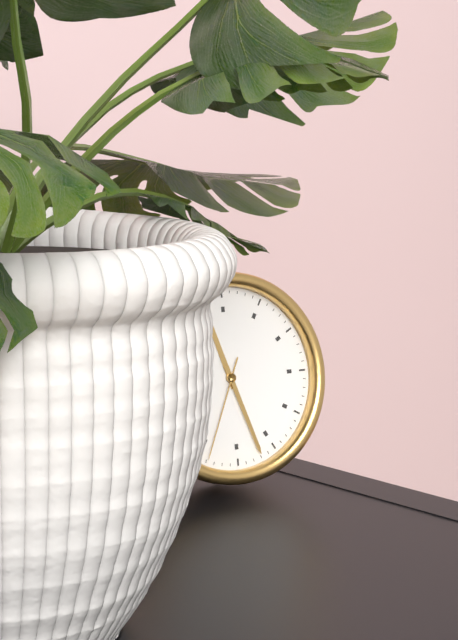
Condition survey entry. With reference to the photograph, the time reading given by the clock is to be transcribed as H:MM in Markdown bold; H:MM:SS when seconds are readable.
**11:27:34**
